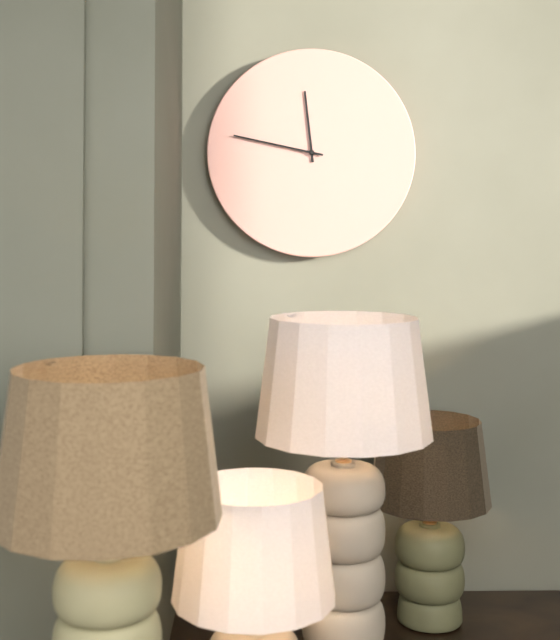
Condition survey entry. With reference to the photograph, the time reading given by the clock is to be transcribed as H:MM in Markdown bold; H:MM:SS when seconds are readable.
**11:47**
